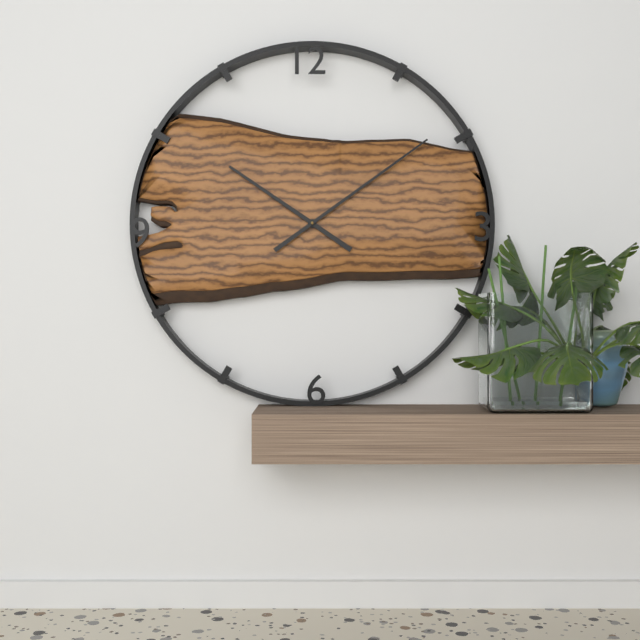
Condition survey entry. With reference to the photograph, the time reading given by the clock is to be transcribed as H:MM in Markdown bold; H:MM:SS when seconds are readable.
**10:09**
